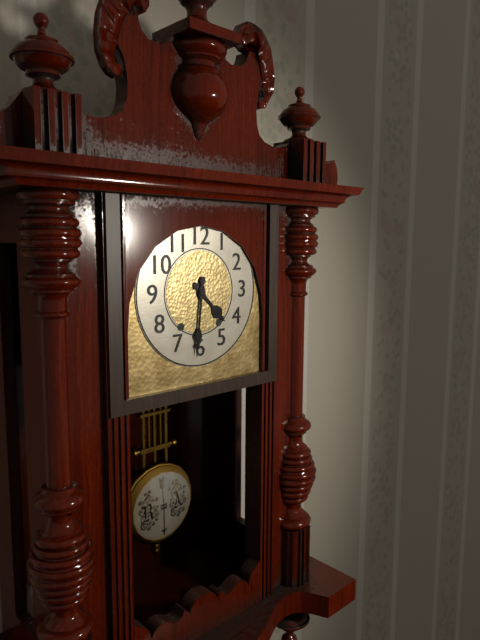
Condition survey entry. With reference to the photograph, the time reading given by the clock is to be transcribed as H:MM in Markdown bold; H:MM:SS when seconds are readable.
**4:31**
